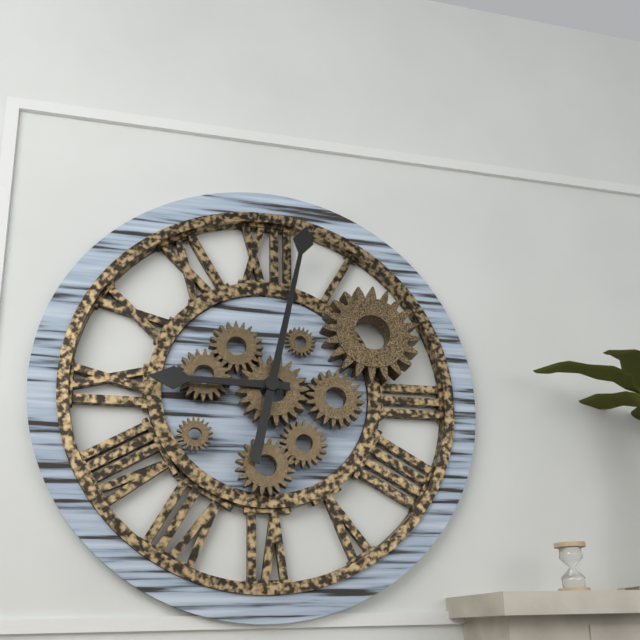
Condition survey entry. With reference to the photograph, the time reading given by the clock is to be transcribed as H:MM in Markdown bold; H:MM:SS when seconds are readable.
**9:02**
